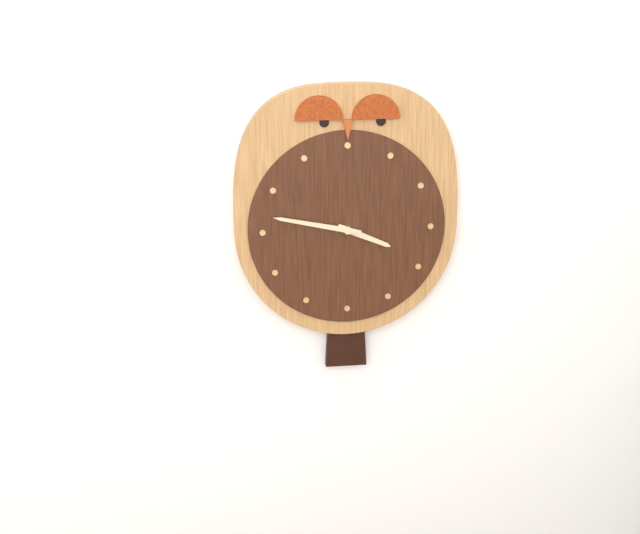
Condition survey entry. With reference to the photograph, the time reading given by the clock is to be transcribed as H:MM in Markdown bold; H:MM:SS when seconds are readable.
**3:47**
